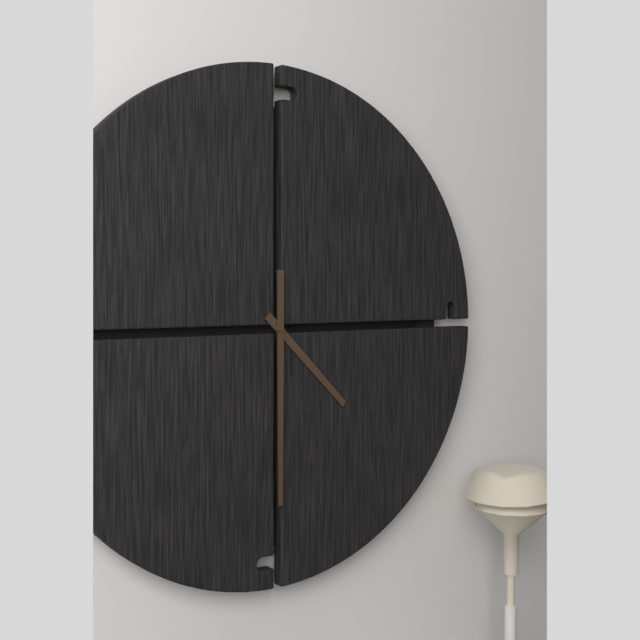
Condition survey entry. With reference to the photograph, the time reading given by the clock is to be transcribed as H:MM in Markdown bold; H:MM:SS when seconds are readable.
**4:30**
